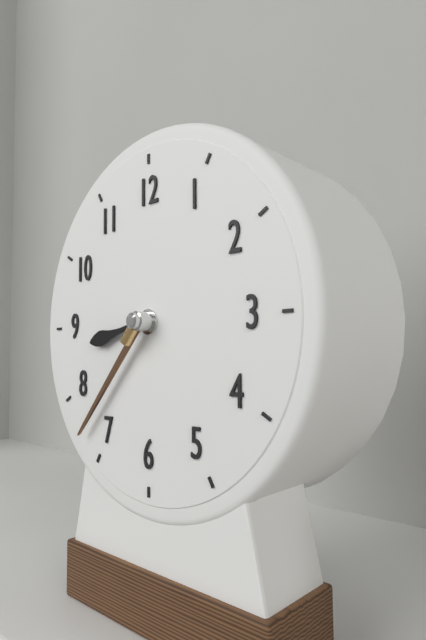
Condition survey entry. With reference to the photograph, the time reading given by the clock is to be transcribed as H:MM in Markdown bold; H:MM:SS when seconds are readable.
**8:37**
